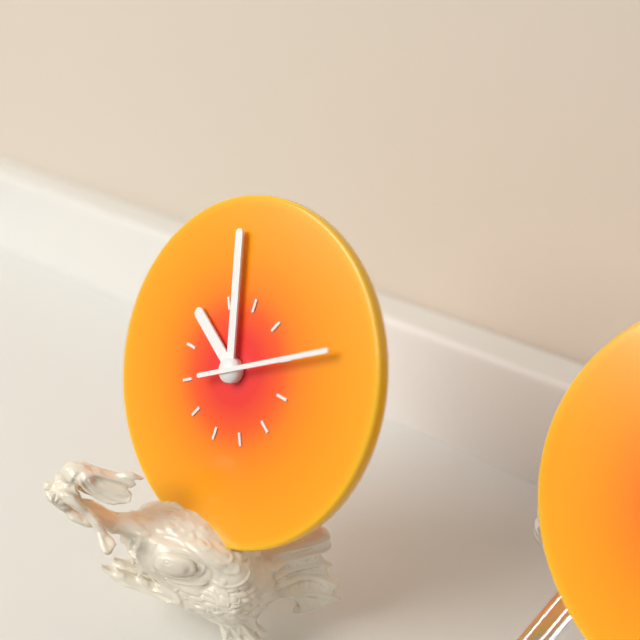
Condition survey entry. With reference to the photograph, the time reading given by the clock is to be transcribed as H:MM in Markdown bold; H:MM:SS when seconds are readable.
**9:57:10**
